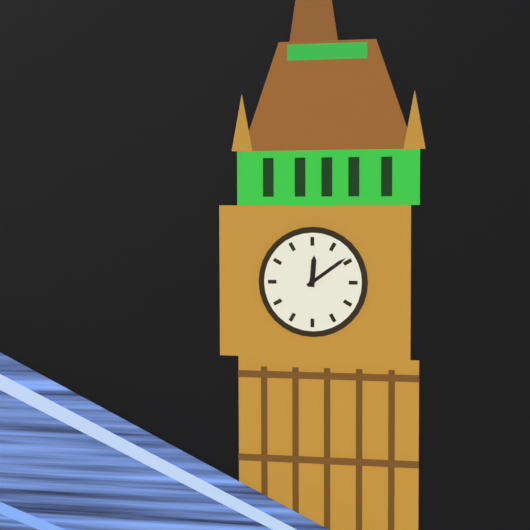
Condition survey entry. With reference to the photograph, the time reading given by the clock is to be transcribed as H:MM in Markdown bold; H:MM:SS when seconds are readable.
**12:09**
